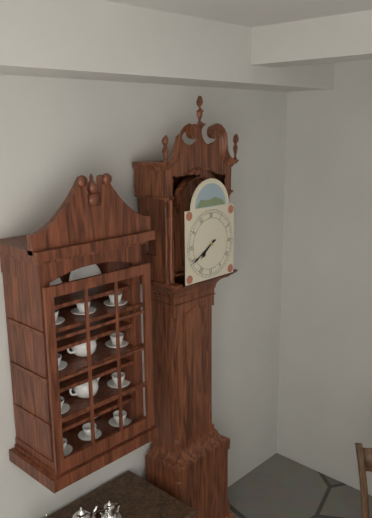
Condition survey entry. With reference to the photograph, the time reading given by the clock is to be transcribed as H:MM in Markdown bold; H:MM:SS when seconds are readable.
**7:40**
